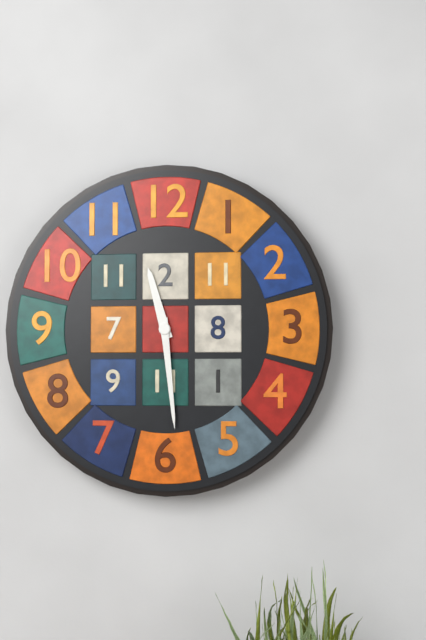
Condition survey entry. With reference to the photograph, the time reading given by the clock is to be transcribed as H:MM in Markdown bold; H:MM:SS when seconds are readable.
**11:29**
